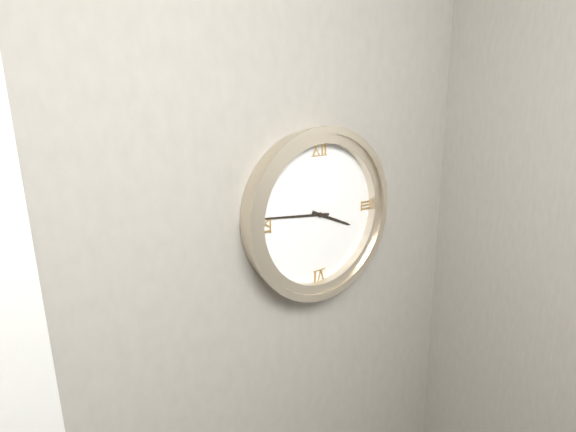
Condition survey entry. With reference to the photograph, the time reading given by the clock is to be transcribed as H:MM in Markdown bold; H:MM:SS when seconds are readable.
**3:46**
